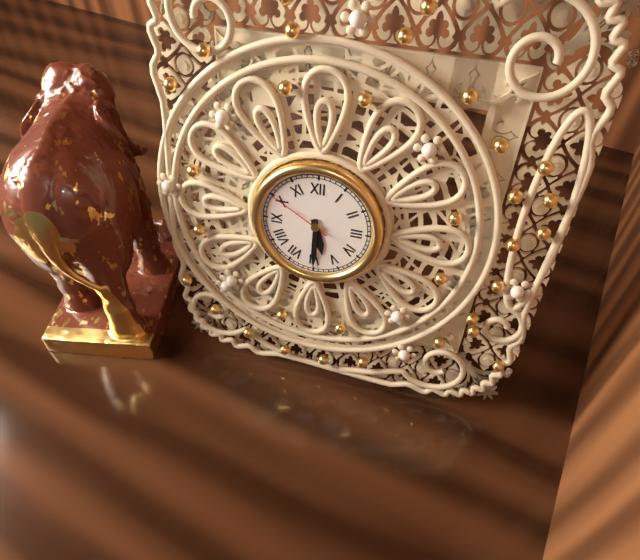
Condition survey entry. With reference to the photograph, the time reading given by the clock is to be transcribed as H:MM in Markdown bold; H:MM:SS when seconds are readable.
**5:30:50**
